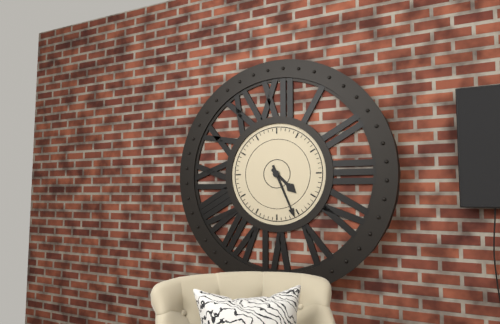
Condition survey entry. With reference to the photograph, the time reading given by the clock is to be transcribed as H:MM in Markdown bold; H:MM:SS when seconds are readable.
**4:26**
